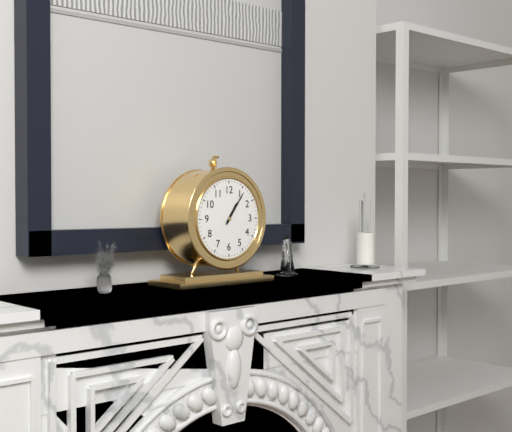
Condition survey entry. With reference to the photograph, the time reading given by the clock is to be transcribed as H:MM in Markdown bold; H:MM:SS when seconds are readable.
**1:06**
